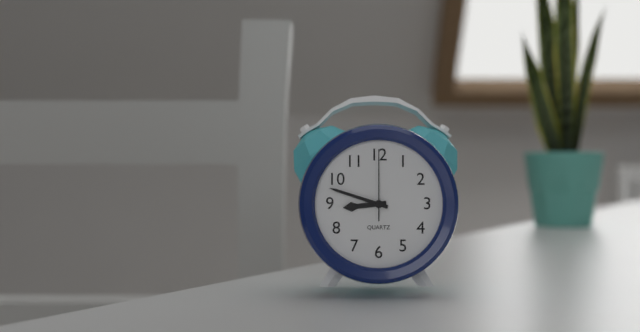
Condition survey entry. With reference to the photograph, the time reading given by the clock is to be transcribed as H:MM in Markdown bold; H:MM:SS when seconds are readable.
**8:48:00**
